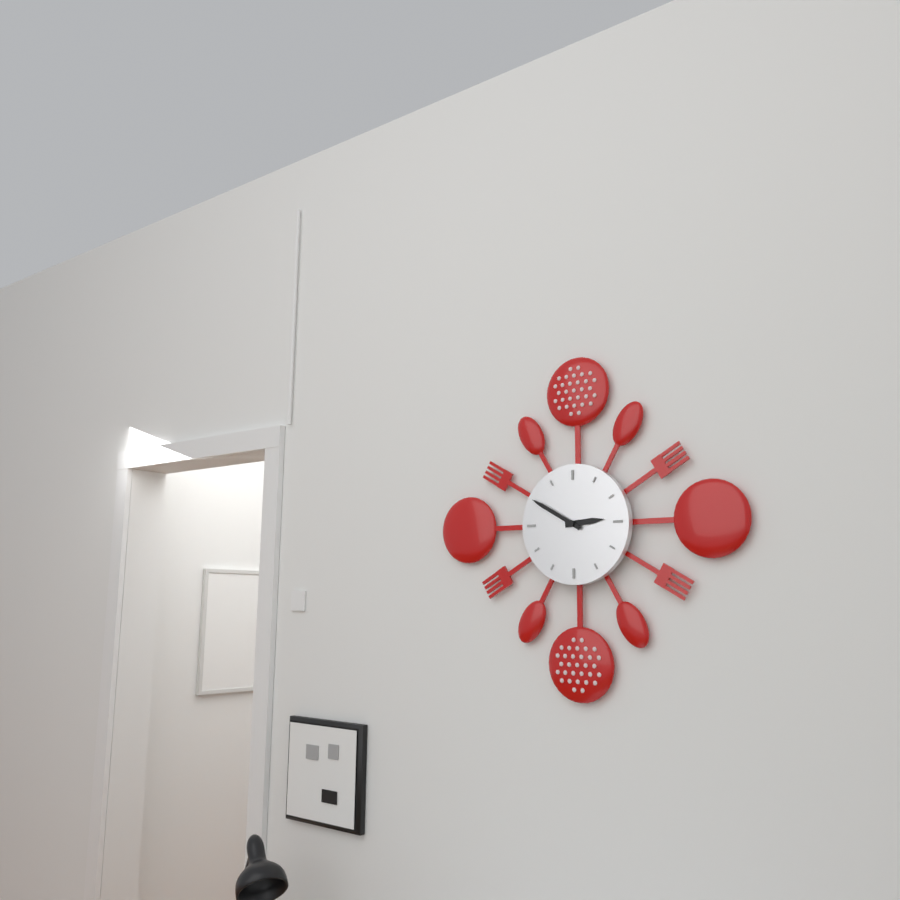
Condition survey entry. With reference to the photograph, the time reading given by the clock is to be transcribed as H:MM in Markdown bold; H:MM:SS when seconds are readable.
**2:50**
